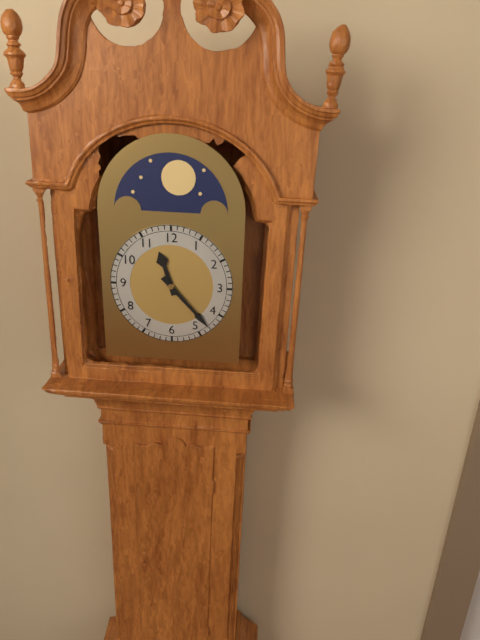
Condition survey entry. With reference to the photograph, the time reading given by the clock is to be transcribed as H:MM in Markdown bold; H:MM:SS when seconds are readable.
**11:23**
